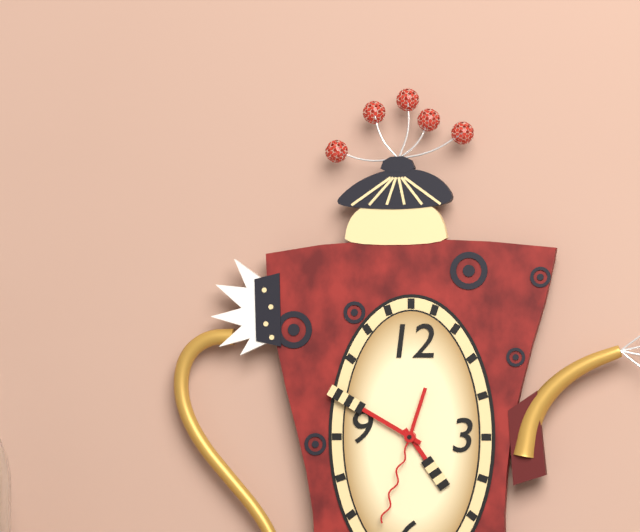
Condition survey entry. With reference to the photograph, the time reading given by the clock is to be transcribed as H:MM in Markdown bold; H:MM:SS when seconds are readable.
**4:50:33**
